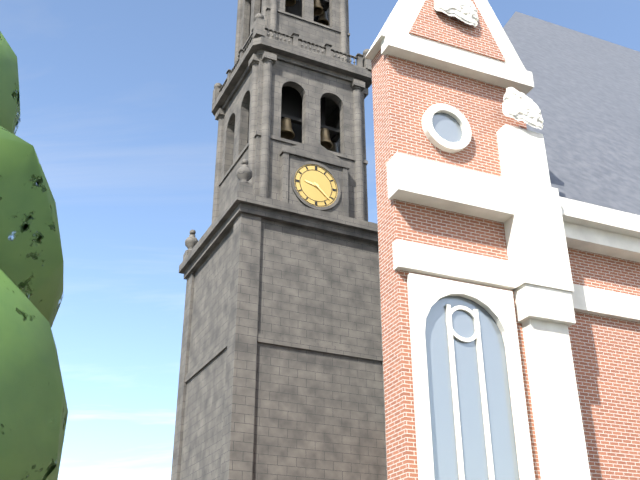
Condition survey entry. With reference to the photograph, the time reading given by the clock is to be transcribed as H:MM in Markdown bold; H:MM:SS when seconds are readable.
**9:22**
